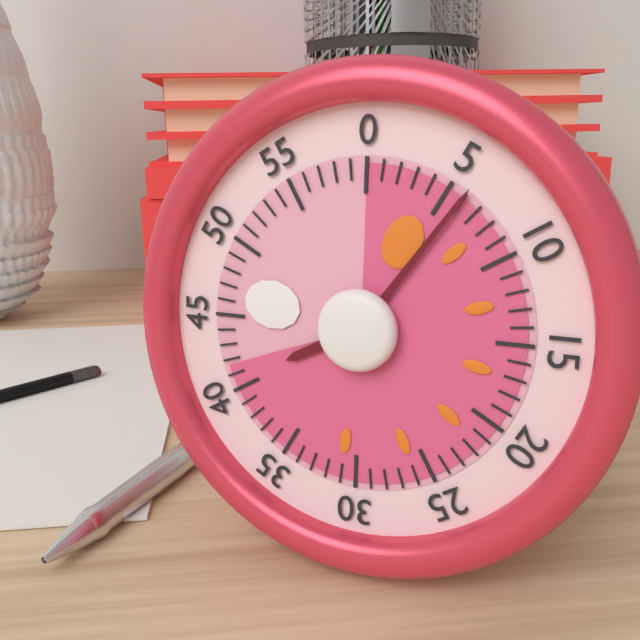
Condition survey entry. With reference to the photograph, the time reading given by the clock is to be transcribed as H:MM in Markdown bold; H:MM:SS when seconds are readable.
**8:06**
